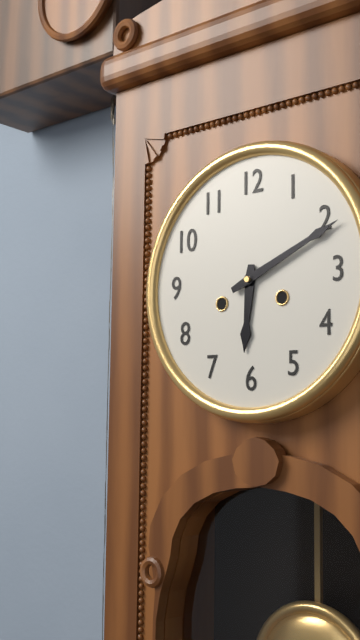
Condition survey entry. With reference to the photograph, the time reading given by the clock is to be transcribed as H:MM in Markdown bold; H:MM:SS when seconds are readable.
**6:11**
